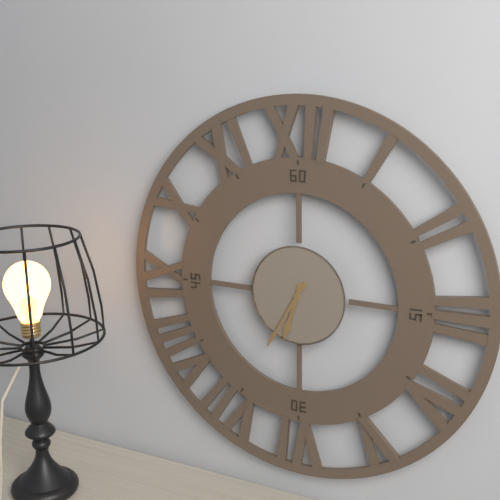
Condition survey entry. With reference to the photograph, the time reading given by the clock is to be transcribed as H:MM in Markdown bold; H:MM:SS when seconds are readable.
**6:35**
